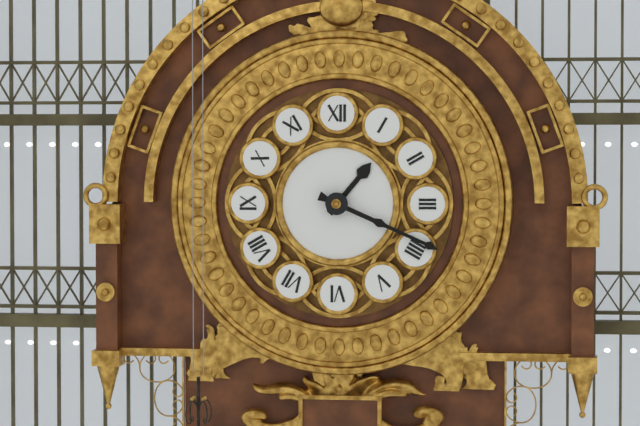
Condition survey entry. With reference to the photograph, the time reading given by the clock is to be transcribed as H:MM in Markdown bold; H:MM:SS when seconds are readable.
**1:19**
